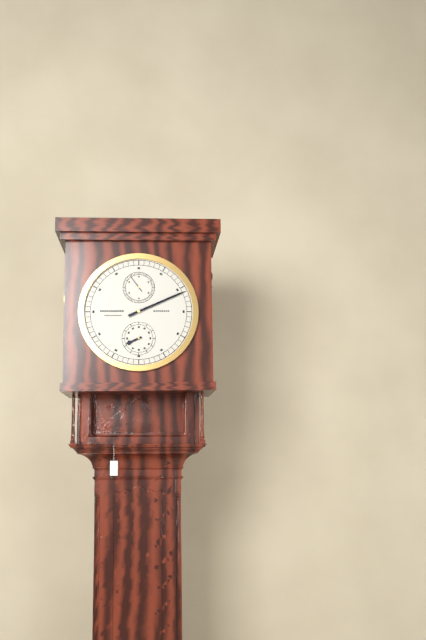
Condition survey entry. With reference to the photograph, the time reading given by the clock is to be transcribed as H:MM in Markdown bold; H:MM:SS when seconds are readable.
**8:11**
